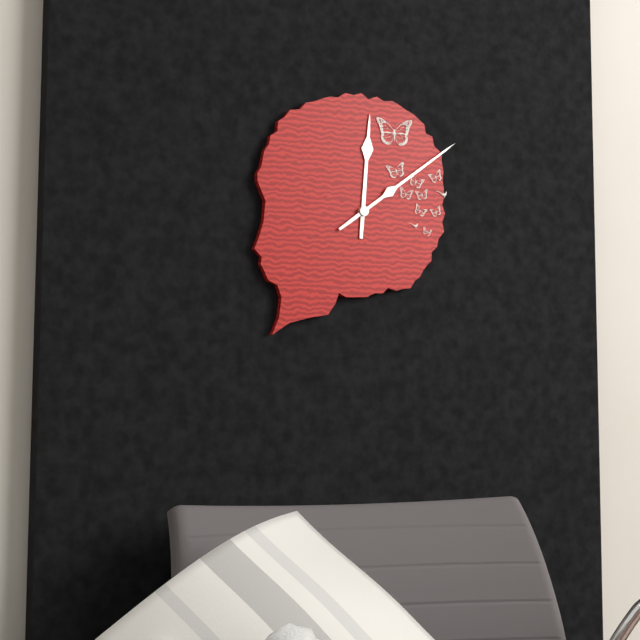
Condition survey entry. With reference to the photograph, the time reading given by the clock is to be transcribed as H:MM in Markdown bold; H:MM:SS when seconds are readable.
**12:09**
